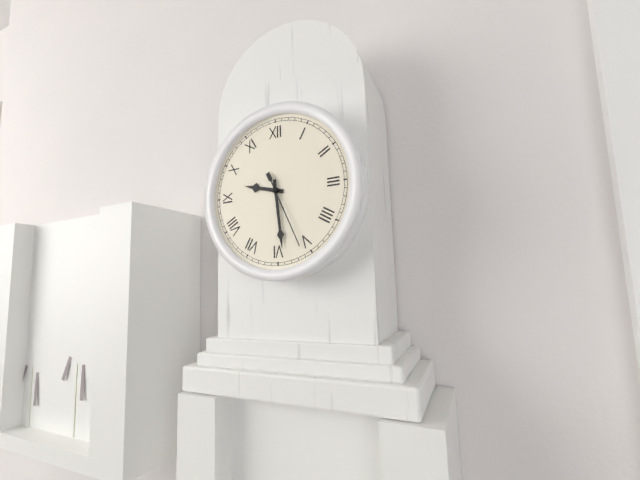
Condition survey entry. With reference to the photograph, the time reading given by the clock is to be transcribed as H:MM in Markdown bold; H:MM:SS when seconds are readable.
**9:29:26**
